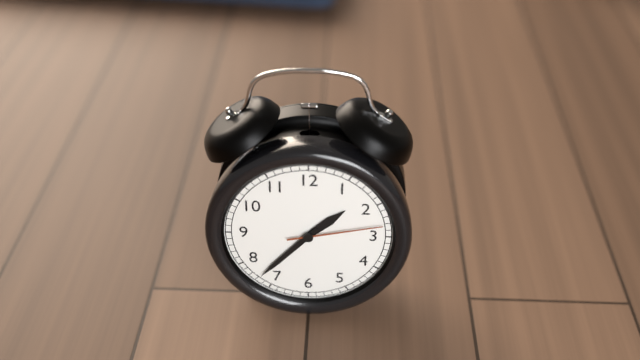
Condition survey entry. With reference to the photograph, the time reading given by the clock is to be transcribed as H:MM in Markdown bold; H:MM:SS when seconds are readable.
**1:37:13**
